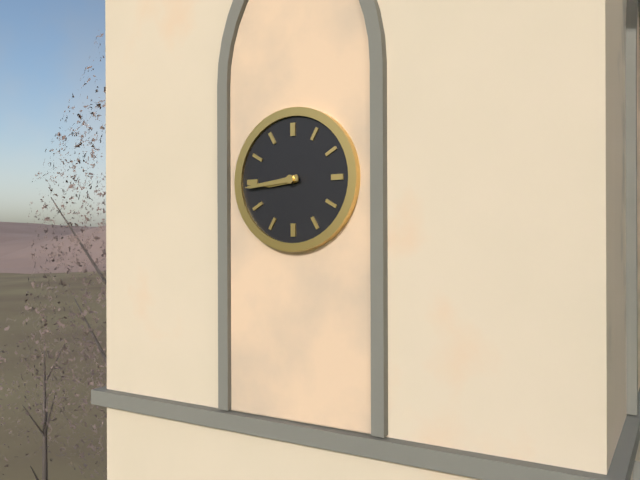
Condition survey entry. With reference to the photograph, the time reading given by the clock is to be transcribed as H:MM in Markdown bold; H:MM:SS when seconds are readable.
**8:44**
